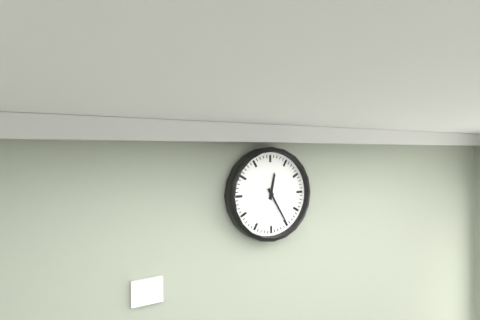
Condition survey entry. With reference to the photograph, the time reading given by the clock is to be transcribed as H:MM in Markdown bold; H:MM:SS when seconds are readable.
**12:25**
